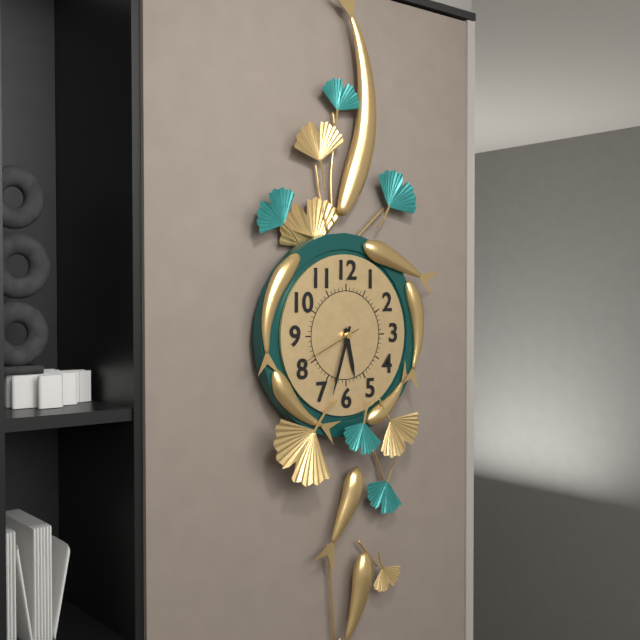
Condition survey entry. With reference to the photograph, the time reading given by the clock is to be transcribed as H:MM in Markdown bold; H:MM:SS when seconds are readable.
**5:33:41**
